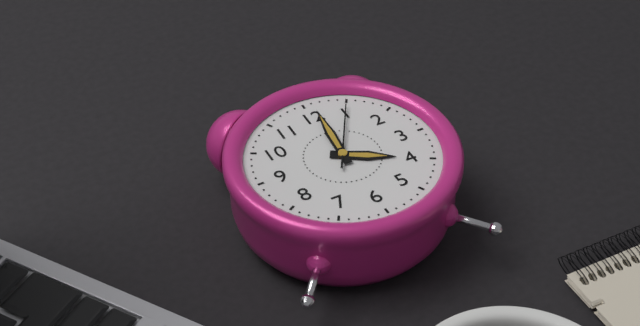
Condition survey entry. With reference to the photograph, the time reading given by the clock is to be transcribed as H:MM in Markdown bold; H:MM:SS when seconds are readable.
**4:01:05**
